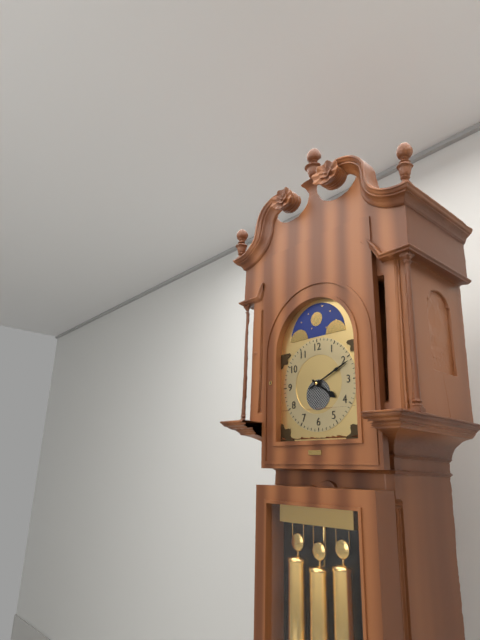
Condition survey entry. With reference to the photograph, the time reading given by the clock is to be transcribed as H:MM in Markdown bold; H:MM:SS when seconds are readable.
**4:11**
